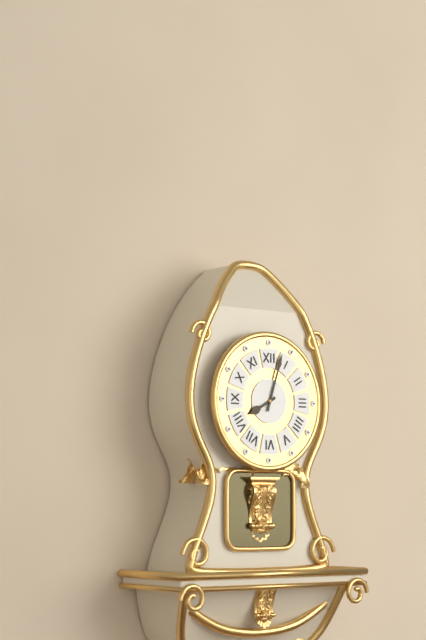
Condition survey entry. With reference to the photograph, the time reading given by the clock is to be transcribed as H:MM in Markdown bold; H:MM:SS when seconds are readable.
**8:03**
